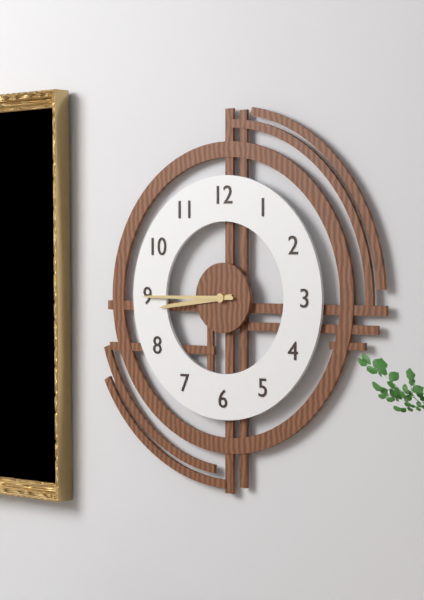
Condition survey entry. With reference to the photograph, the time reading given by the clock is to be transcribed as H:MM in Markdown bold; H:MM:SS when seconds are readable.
**8:45**
